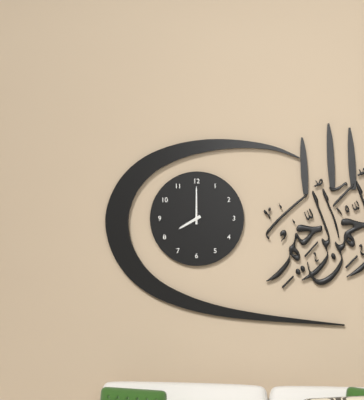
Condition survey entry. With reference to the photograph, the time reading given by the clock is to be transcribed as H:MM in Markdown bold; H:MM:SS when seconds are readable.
**8:00**
